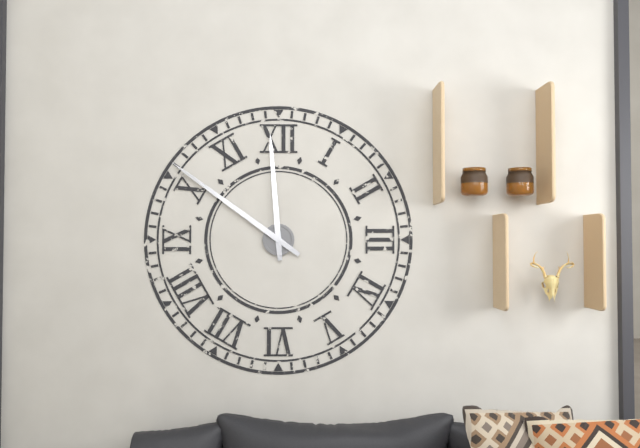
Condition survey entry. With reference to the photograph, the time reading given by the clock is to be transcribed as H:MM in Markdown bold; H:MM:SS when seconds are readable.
**11:51**
